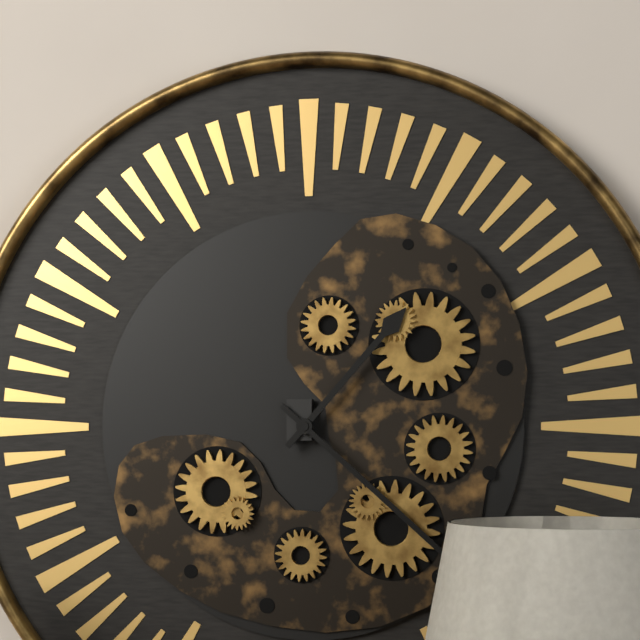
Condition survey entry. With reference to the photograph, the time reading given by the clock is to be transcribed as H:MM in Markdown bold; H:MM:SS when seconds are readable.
**1:22**
